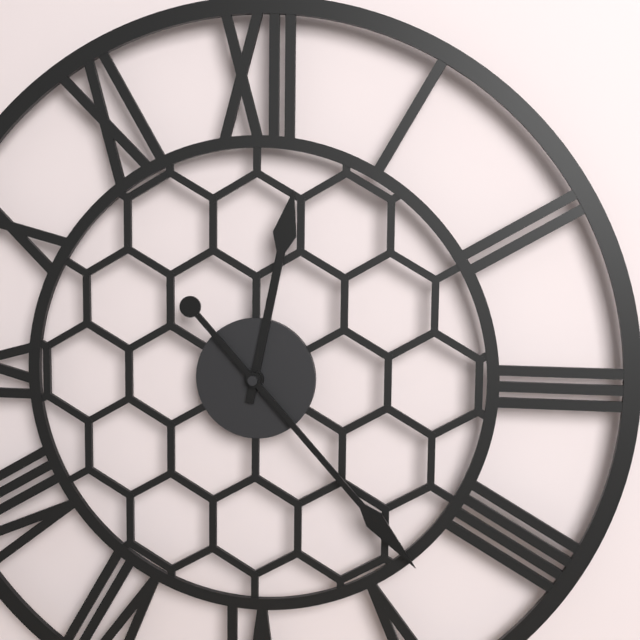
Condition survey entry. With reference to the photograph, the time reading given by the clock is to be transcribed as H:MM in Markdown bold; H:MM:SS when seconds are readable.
**12:23**
